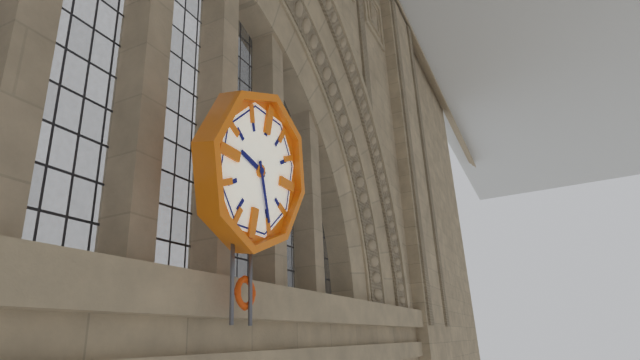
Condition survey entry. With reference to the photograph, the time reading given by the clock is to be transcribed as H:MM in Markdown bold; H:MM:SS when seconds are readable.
**9:25**
